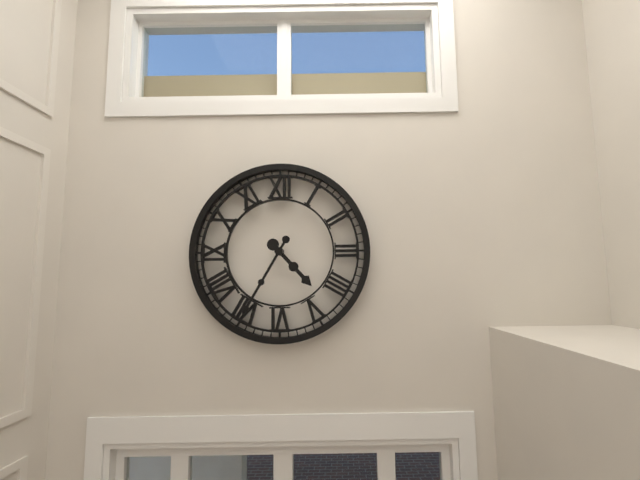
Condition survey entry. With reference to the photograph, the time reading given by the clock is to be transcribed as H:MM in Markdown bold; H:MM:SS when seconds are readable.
**4:35**
